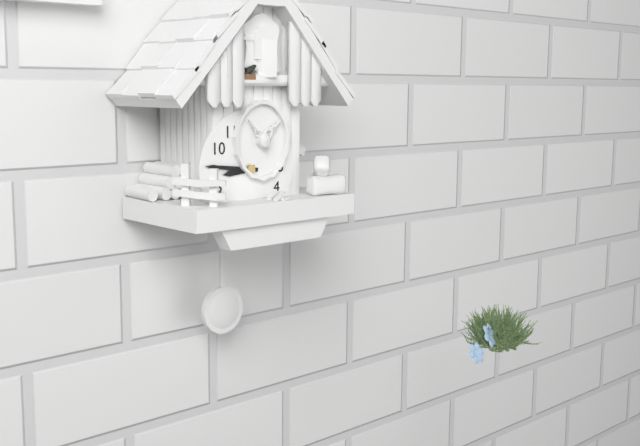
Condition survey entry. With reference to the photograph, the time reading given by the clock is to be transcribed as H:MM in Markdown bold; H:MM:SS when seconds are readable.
**8:46**
